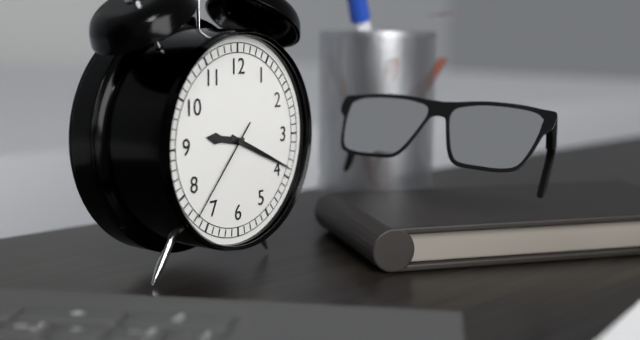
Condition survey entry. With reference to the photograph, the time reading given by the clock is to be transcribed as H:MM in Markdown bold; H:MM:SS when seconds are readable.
**9:19:37**
